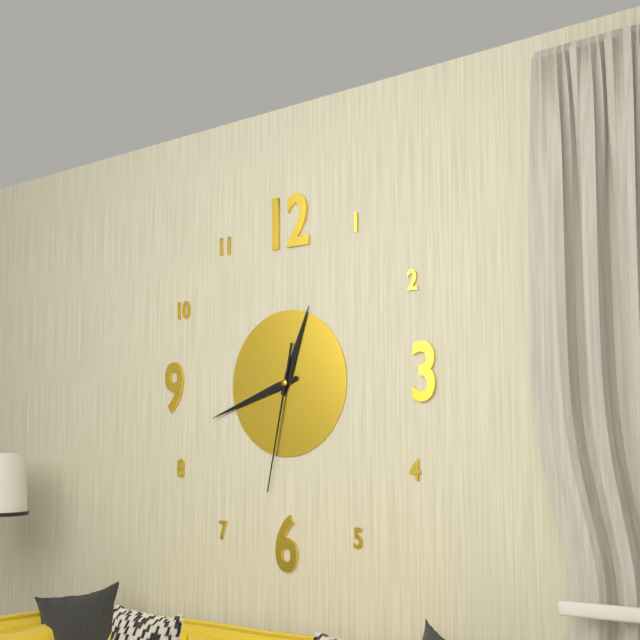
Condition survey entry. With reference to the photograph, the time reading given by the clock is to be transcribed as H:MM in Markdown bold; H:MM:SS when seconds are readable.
**12:42:32**
